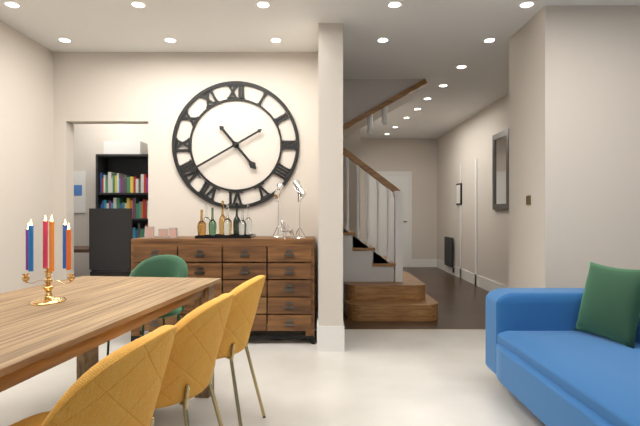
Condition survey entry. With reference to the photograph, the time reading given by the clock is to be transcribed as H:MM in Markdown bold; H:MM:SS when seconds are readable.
**4:40**
